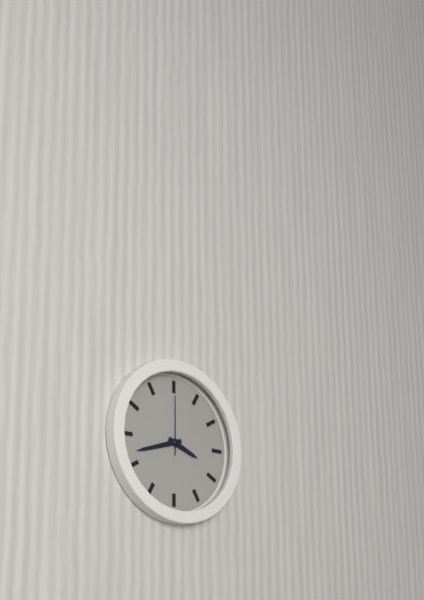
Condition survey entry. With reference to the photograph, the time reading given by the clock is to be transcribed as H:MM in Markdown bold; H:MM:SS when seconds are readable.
**3:42:00**
